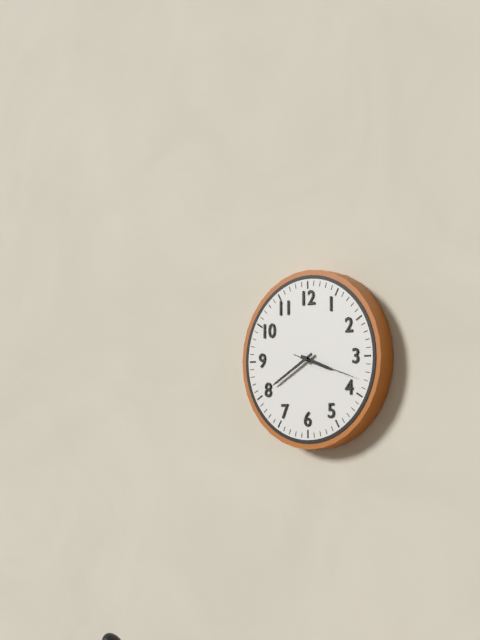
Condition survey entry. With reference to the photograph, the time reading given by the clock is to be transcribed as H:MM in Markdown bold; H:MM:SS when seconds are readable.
**3:40:18**
